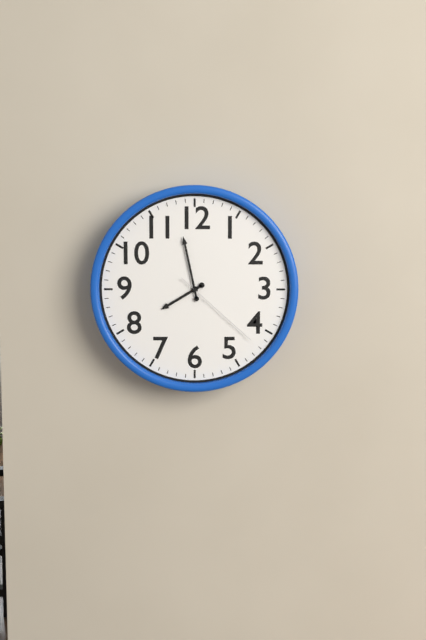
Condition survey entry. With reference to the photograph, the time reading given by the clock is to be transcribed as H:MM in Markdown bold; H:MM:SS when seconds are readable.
**7:58:22**
